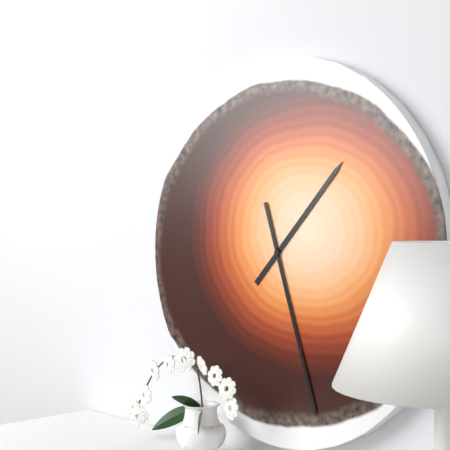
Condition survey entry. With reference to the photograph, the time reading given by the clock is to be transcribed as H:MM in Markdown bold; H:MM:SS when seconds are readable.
**1:27**
